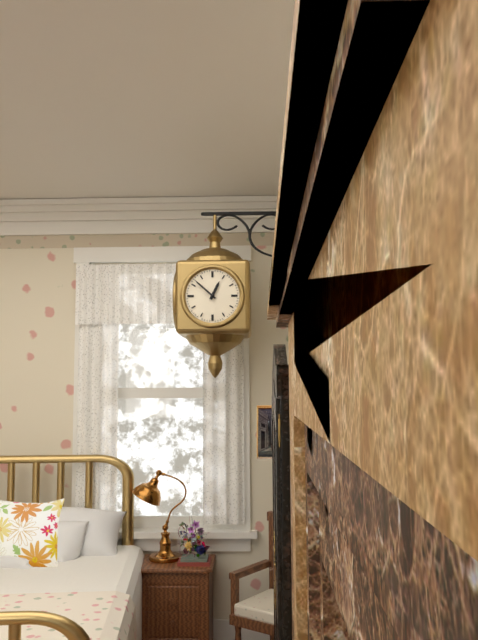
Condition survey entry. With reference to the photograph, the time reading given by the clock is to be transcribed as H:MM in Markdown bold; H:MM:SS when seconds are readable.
**12:52**
